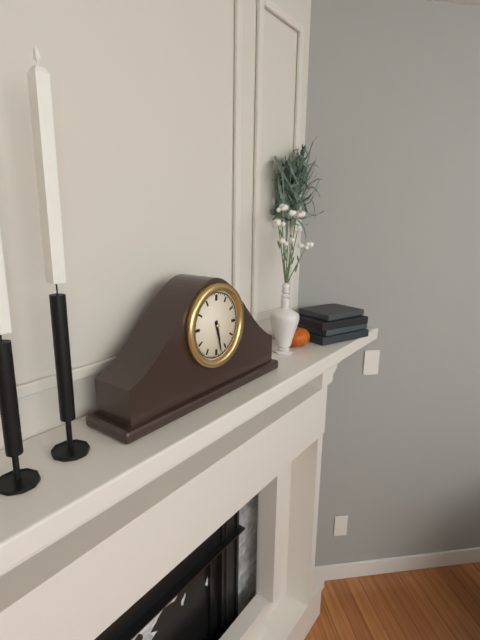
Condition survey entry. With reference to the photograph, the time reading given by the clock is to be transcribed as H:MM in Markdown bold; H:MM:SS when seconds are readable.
**5:28**
